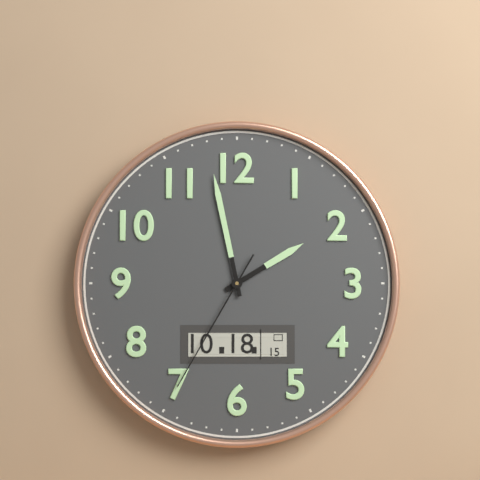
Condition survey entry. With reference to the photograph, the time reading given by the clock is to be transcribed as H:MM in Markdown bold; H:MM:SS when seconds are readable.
**1:58:35**
